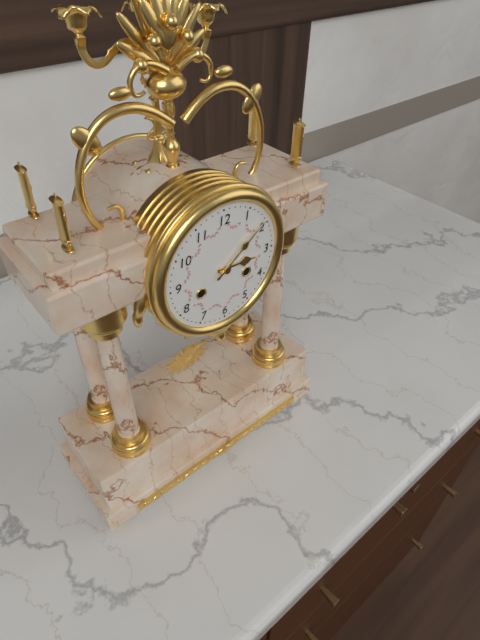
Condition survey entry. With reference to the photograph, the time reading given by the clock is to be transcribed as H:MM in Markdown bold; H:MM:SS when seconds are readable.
**3:09**
